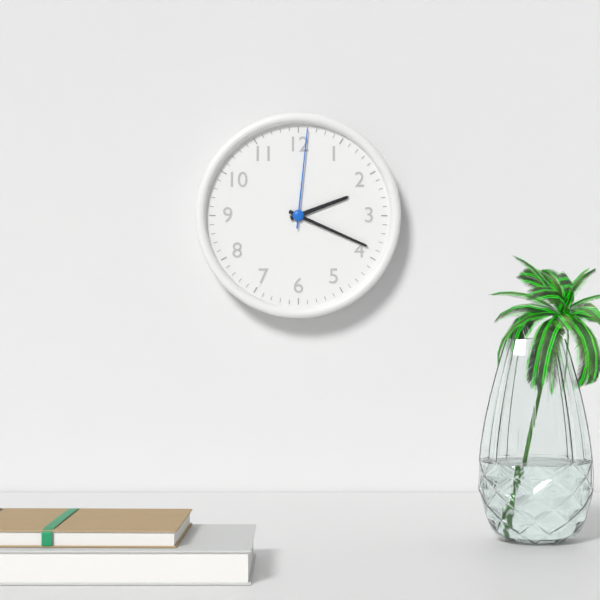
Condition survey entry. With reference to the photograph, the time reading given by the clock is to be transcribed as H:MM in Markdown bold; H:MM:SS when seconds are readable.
**2:19:01**
